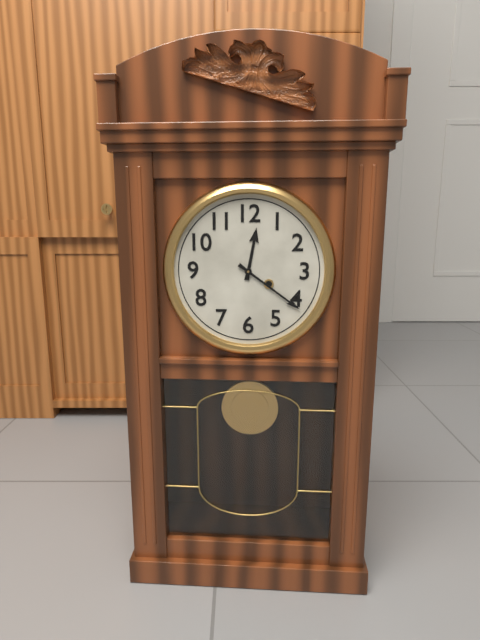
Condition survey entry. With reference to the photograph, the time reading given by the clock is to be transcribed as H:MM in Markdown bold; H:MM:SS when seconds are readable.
**12:21**
